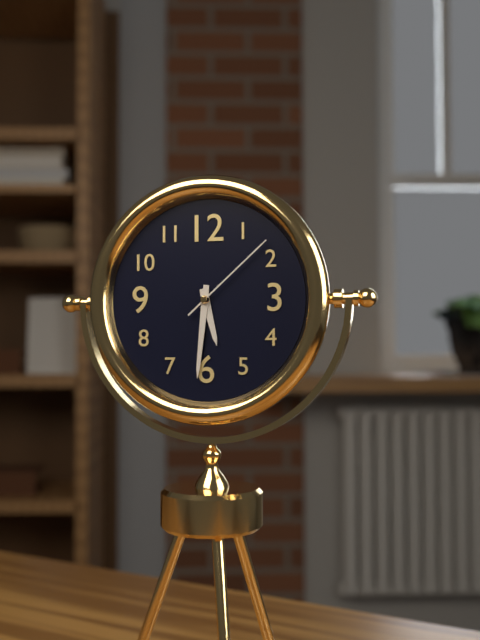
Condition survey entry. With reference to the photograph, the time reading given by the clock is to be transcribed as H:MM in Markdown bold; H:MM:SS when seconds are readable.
**5:31:08**
